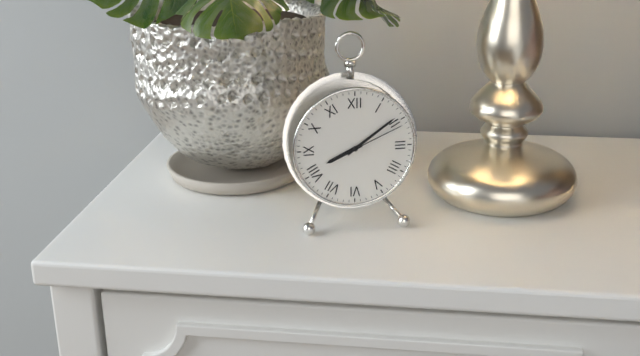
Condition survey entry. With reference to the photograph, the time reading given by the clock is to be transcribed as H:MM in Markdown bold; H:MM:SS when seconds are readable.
**8:09:11**
